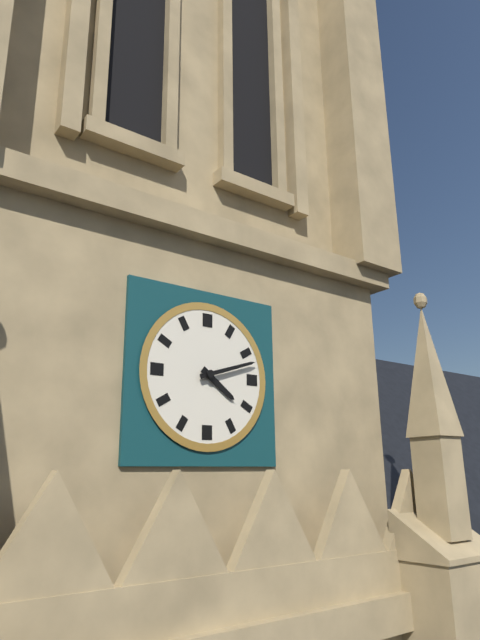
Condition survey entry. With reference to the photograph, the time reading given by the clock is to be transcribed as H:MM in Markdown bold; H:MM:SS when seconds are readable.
**4:12**
